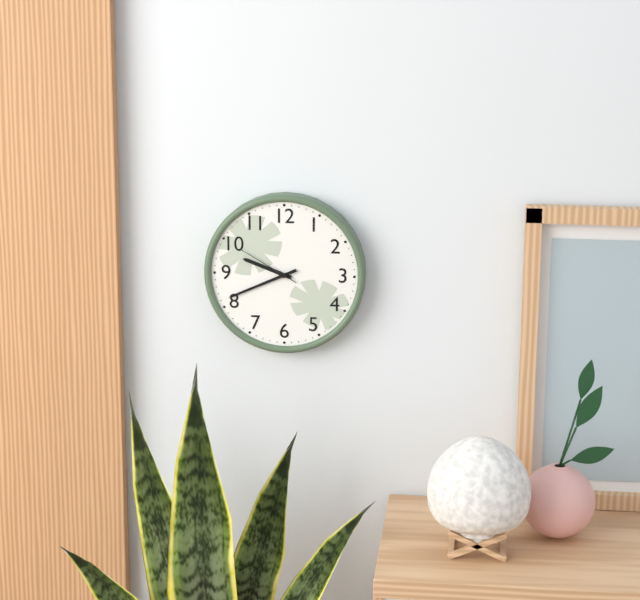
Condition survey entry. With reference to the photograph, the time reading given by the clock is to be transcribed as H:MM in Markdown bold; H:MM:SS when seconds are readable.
**9:41:50**
